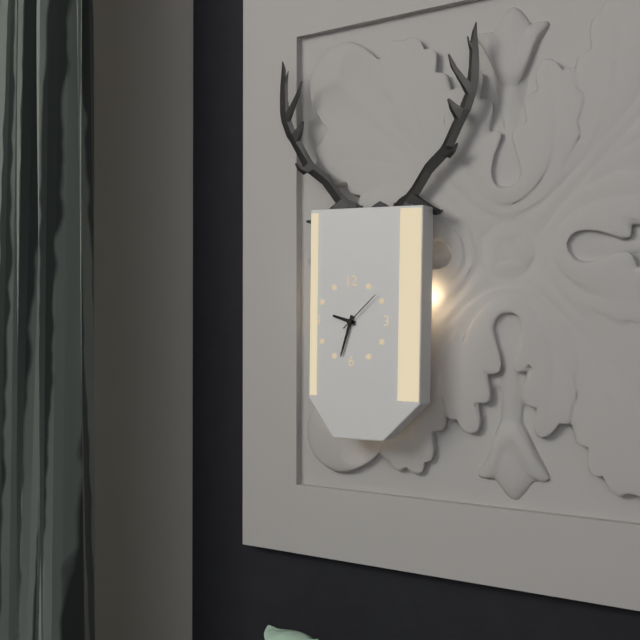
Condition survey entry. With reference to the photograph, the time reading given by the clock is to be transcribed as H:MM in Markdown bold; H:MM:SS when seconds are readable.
**9:33**
